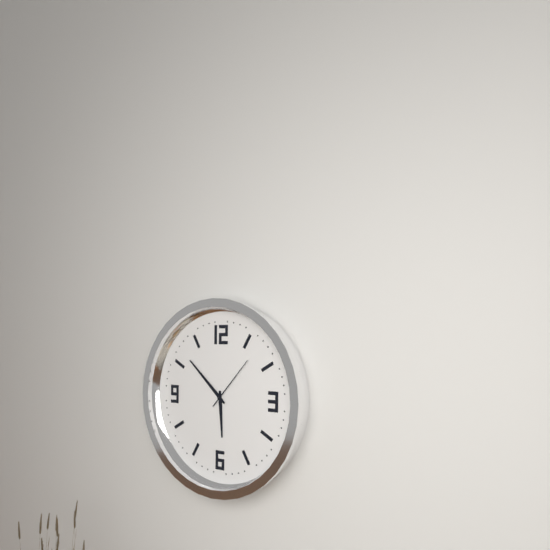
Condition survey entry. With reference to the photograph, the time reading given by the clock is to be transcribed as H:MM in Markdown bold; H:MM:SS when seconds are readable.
**5:52:07**
